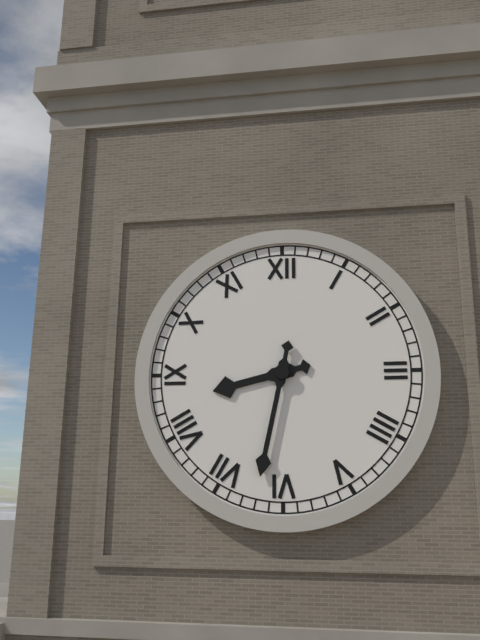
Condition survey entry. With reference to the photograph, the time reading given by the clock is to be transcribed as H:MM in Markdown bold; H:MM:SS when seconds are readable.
**8:32**
